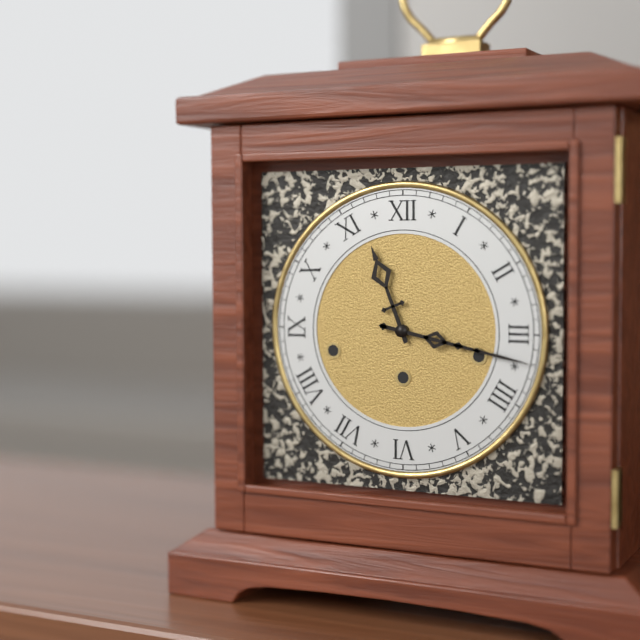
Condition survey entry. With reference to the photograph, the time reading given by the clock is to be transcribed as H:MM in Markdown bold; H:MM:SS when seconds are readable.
**11:17**
